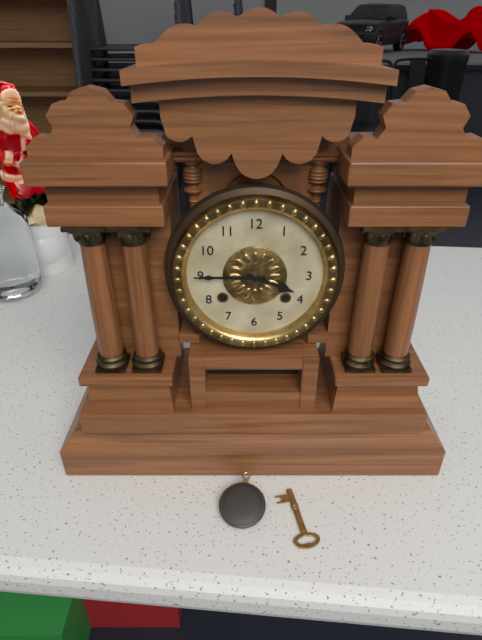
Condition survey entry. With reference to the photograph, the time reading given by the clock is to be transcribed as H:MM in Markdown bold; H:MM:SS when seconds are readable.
**3:45**
